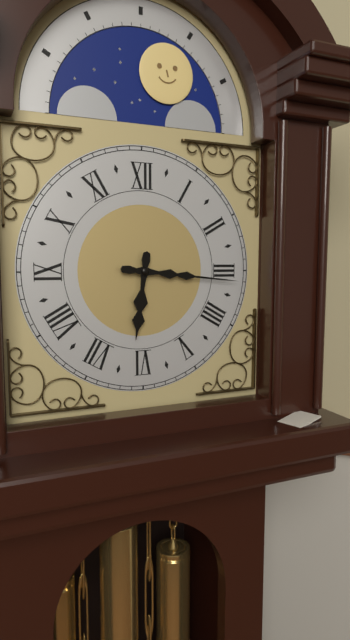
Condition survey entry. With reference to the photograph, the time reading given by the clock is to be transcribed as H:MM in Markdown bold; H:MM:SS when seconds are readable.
**6:16**
